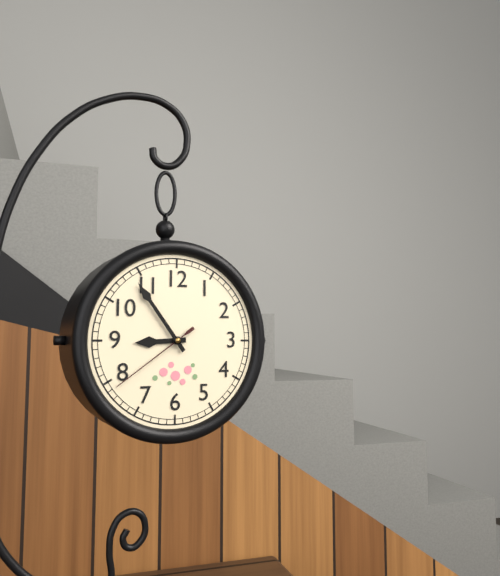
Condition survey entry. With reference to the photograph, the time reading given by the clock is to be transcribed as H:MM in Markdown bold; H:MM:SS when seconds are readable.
**8:54:39**
